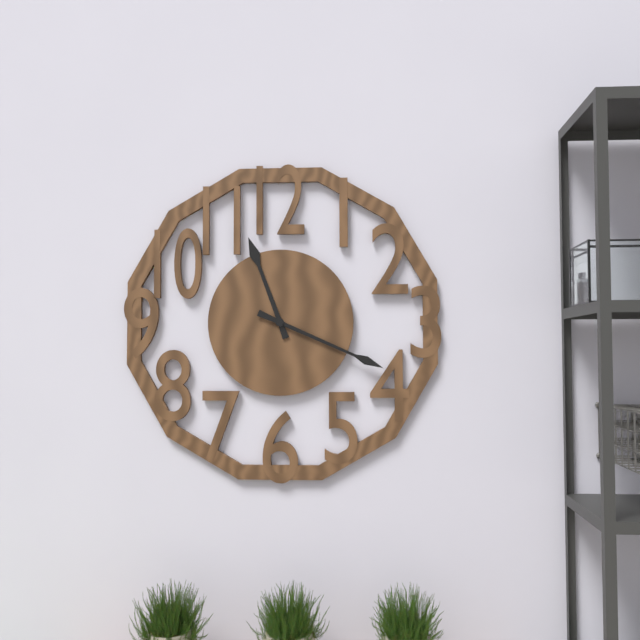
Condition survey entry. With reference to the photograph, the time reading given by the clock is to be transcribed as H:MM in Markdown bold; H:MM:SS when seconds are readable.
**11:19**
